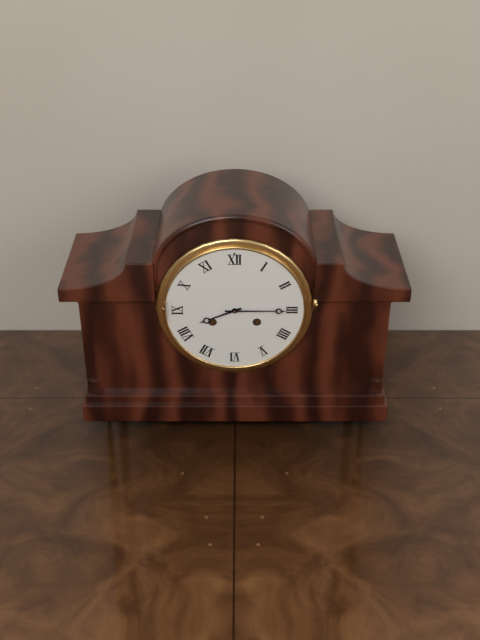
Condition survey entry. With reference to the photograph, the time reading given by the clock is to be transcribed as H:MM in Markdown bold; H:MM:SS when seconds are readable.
**8:15**
